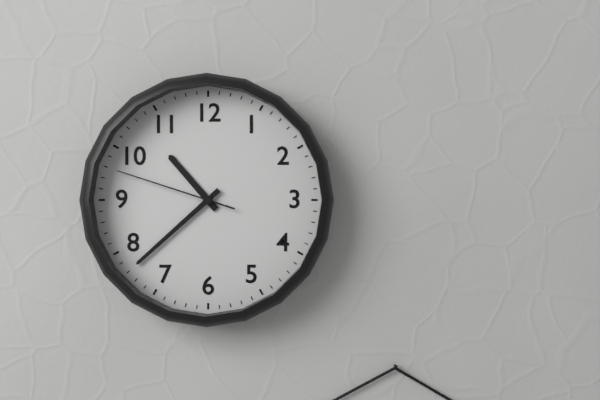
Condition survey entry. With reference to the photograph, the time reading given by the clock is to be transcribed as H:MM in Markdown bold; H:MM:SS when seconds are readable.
**10:38:48**
